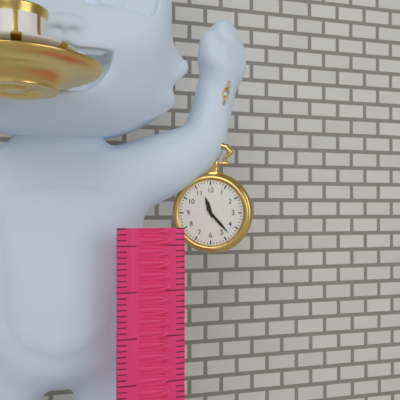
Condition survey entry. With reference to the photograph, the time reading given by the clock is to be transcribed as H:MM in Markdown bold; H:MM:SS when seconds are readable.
**11:23**
